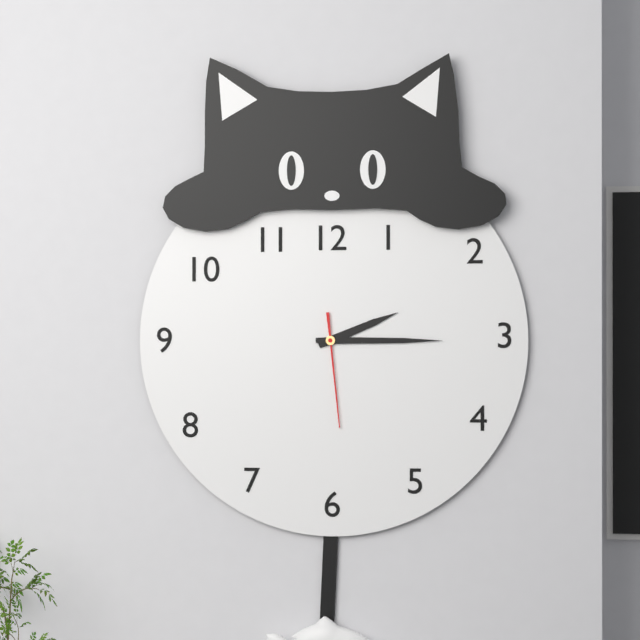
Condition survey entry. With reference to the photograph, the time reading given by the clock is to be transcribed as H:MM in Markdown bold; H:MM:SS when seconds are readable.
**2:15:29**
